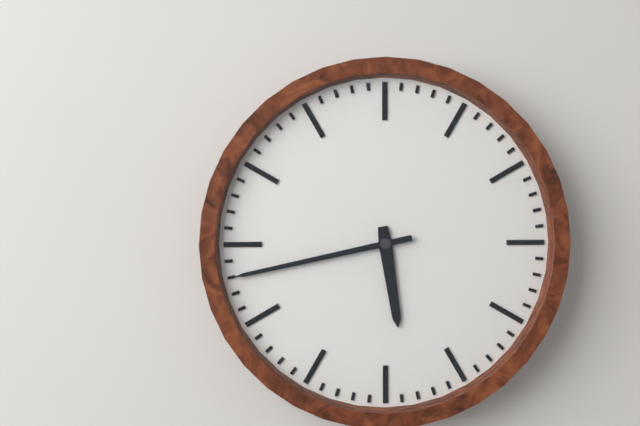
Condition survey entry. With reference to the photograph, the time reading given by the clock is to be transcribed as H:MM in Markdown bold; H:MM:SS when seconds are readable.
**5:43**
